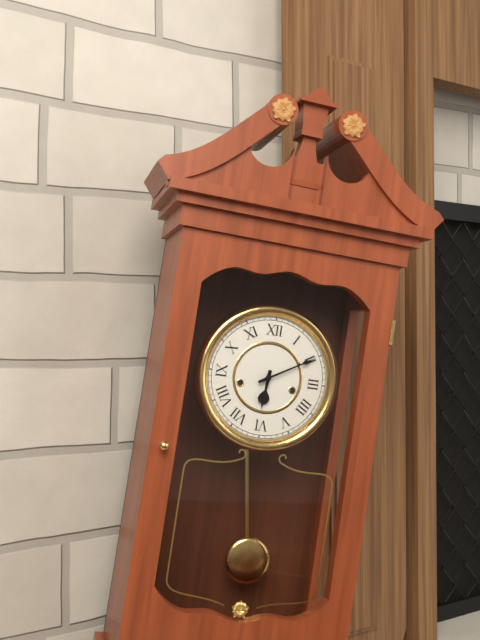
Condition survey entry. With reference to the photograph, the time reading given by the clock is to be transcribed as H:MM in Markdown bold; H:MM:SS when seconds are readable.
**6:10**
